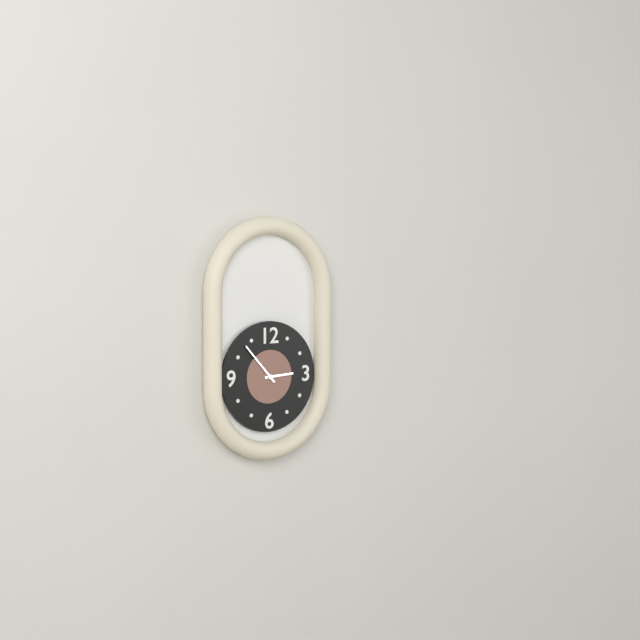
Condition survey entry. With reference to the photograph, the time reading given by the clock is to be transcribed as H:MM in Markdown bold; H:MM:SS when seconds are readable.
**2:53**
